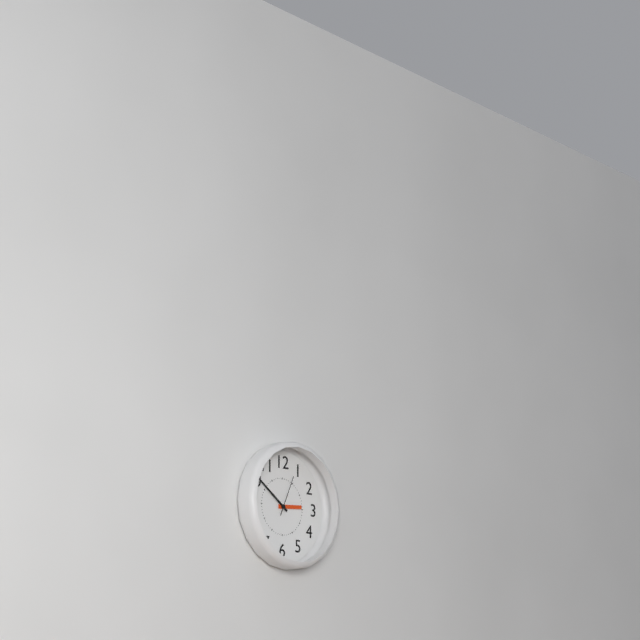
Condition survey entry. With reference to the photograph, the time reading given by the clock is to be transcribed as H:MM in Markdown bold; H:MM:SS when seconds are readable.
**2:51**
